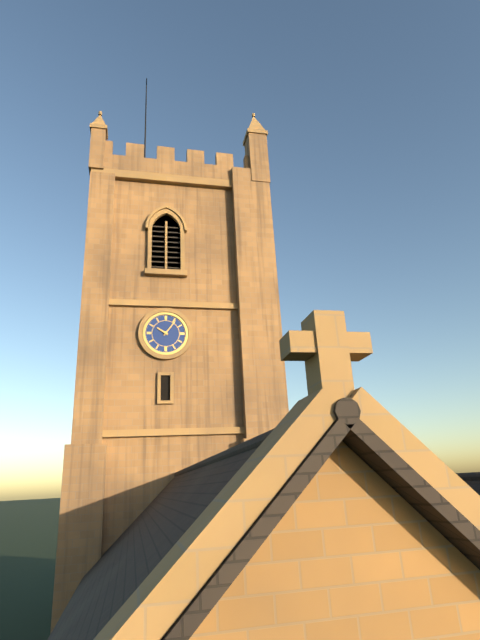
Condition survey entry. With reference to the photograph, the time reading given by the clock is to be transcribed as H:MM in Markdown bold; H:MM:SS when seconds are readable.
**10:06**
